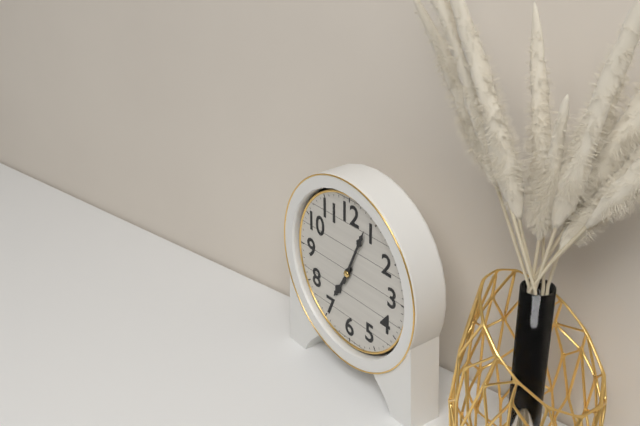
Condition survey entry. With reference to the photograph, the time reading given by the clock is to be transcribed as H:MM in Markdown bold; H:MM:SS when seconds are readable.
**7:04**
